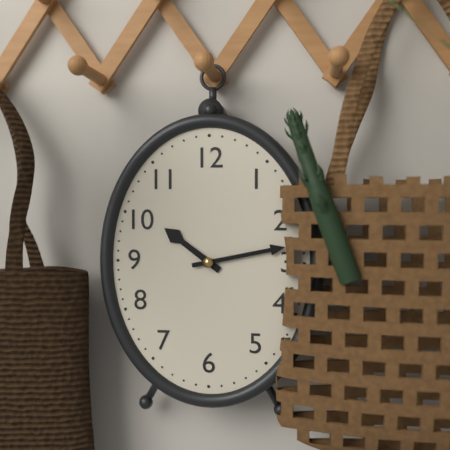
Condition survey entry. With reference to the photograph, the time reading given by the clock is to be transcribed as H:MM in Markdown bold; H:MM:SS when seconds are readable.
**10:13**
